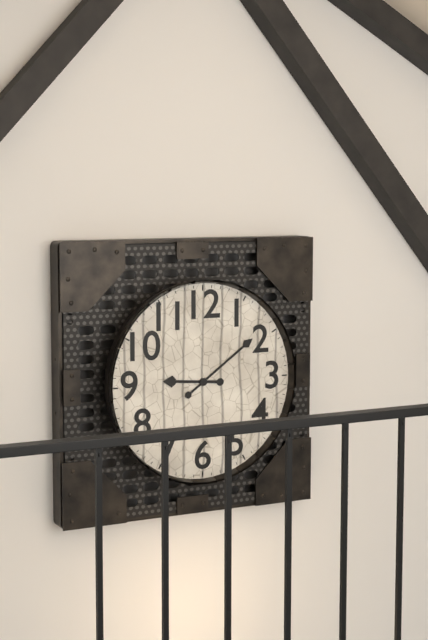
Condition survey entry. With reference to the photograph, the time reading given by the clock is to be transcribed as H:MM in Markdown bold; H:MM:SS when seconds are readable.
**9:09**
